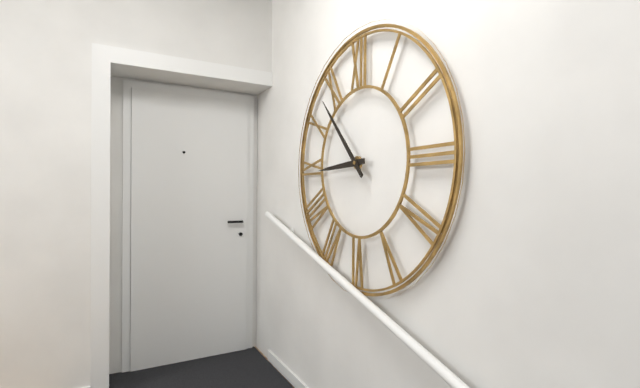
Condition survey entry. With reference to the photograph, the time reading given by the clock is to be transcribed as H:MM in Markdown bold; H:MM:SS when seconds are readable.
**8:53**
